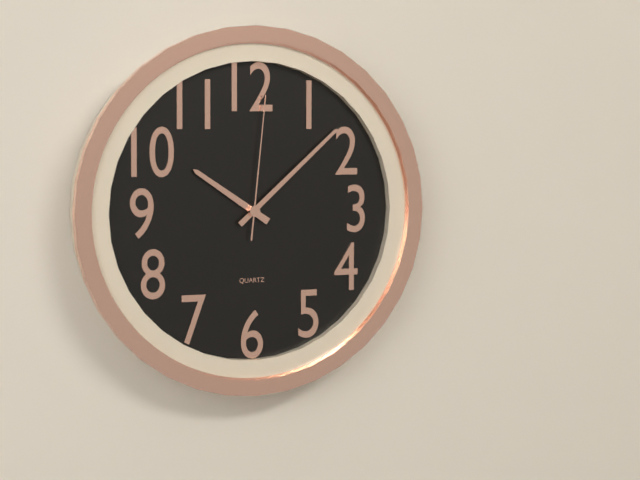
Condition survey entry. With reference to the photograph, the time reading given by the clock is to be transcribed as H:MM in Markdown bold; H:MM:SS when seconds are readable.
**10:08:01**
